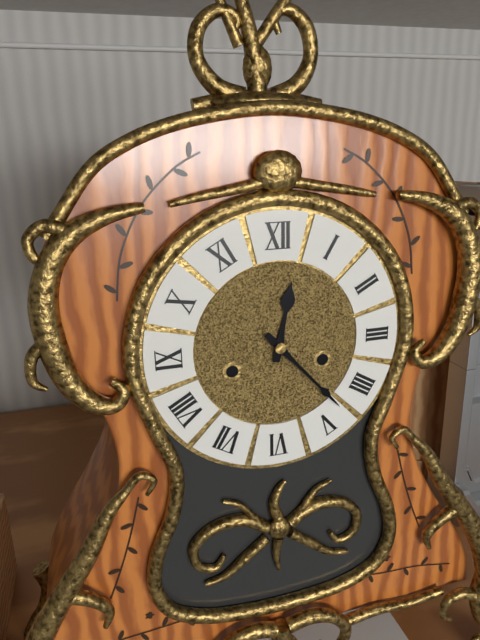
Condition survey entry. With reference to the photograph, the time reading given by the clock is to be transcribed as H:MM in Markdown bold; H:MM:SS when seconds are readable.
**12:23**
